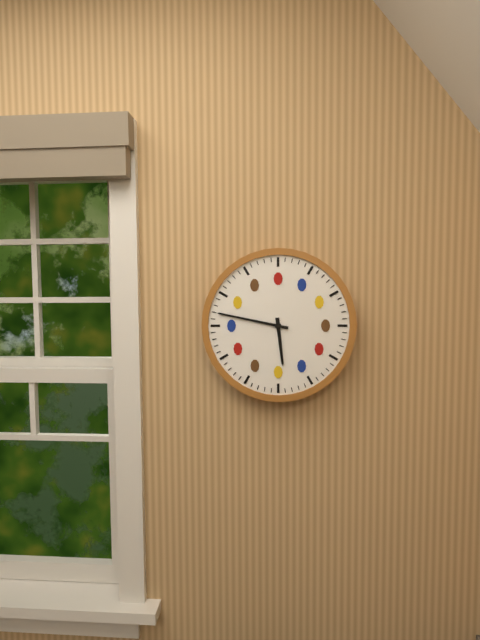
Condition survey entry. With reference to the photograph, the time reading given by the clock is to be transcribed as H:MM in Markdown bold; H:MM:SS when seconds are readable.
**5:47**
